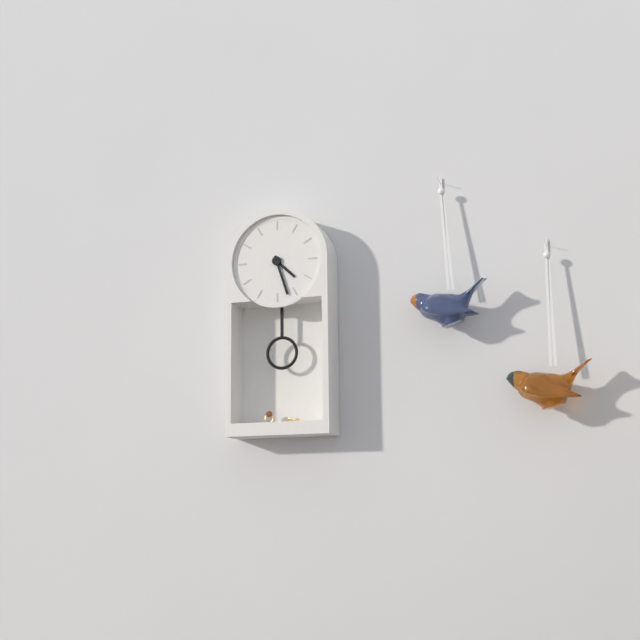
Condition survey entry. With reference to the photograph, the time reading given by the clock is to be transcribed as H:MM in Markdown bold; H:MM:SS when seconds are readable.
**4:27**
